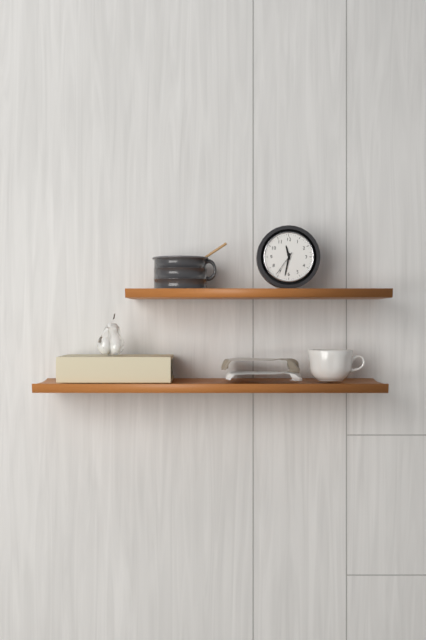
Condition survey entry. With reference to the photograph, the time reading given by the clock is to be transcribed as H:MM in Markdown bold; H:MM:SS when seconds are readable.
**11:32**
